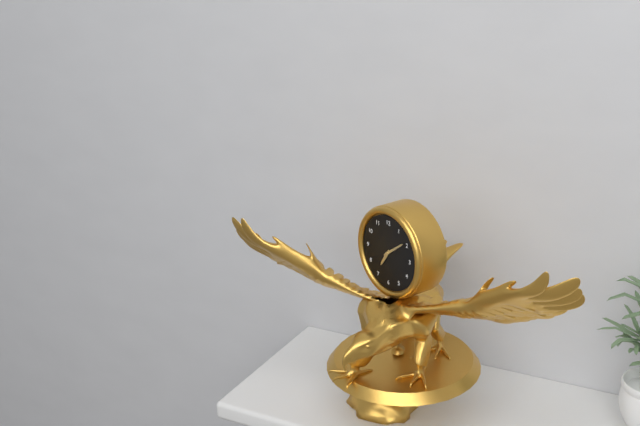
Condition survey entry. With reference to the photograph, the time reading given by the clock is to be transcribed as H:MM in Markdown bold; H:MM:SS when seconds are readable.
**7:09**
